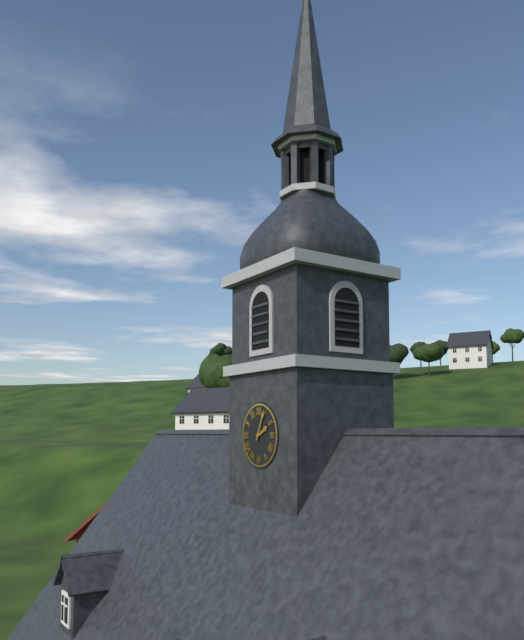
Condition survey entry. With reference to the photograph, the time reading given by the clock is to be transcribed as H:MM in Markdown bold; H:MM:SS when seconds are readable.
**2:04**
